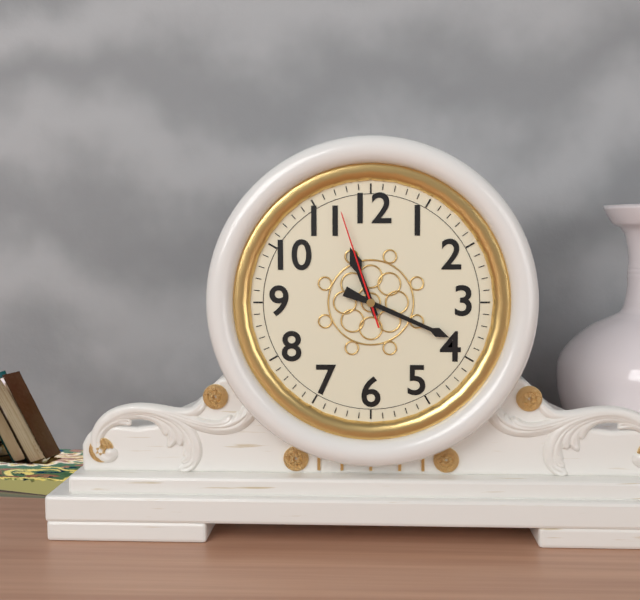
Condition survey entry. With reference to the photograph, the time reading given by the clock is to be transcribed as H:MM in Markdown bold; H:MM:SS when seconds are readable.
**11:19:57**
